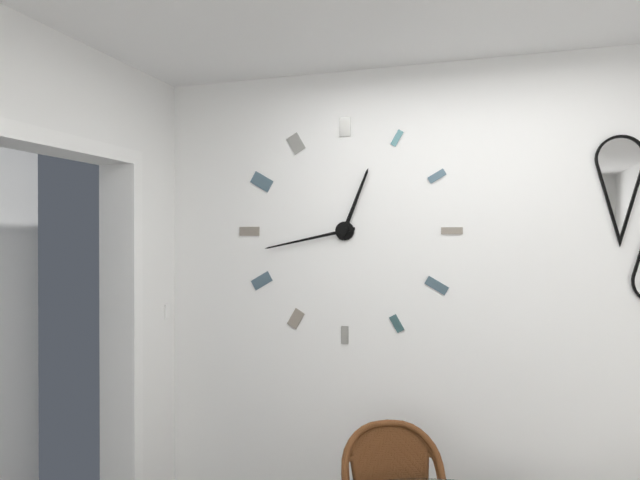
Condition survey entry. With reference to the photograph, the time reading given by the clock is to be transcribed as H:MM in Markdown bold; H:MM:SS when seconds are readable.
**12:43**
